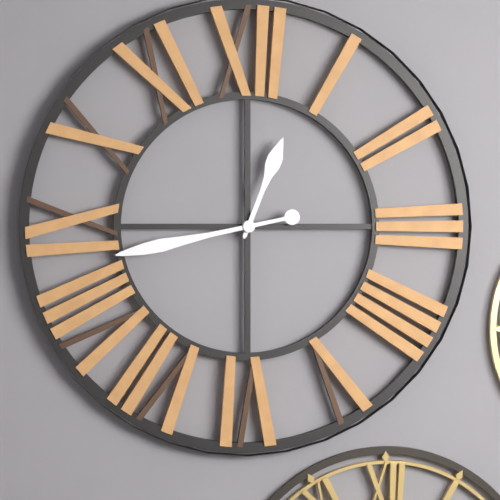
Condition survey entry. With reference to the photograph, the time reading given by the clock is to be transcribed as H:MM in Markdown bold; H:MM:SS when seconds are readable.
**12:43**
